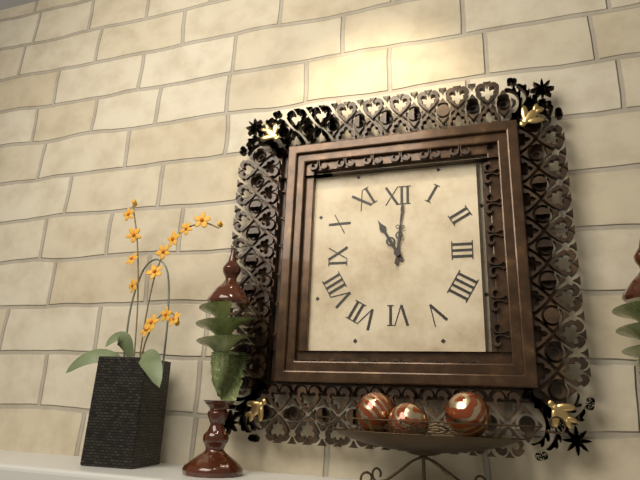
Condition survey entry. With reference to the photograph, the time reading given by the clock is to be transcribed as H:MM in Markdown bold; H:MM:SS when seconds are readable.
**11:01**
